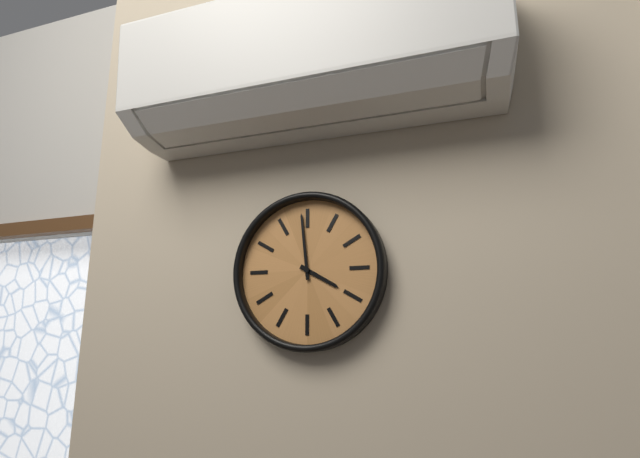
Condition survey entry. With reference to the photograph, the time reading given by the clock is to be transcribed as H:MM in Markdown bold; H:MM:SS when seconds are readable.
**3:59**
